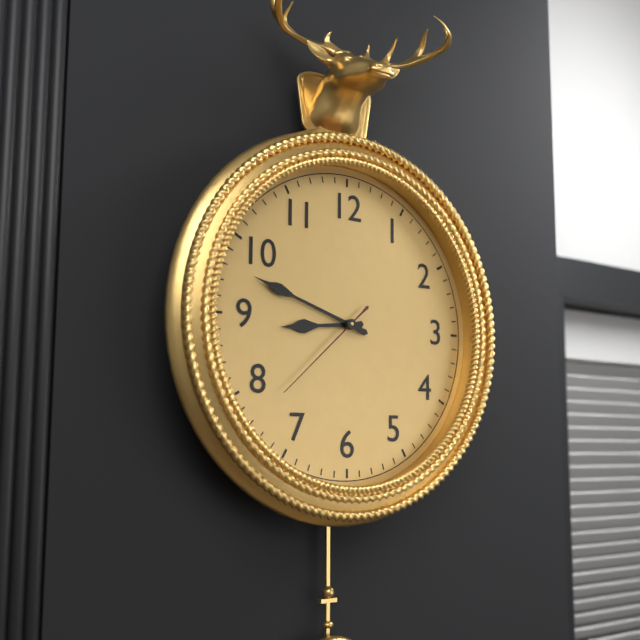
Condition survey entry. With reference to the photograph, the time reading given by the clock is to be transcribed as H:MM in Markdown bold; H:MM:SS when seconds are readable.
**8:48:38**
